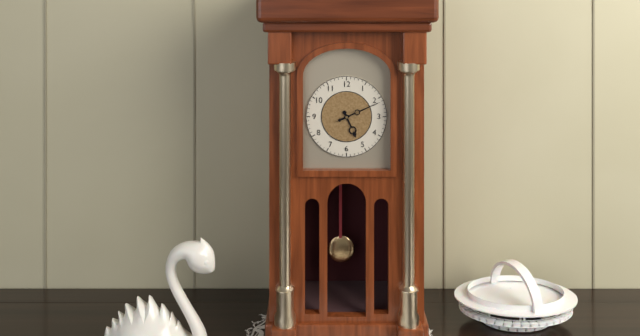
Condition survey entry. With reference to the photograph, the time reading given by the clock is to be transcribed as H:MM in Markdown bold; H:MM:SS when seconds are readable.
**5:11**
